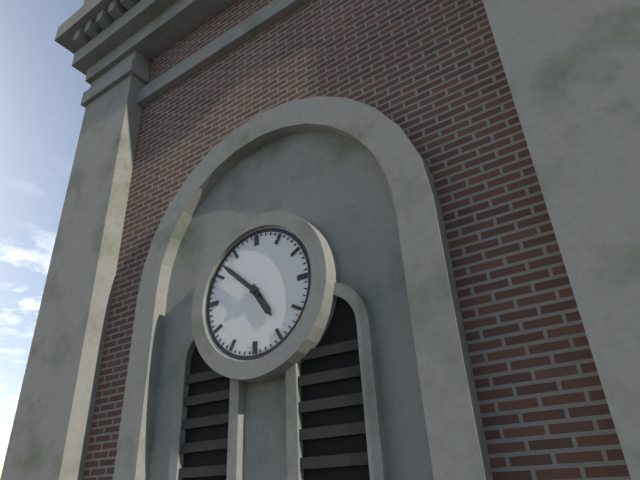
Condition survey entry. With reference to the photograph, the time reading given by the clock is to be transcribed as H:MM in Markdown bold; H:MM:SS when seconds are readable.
**4:52**
